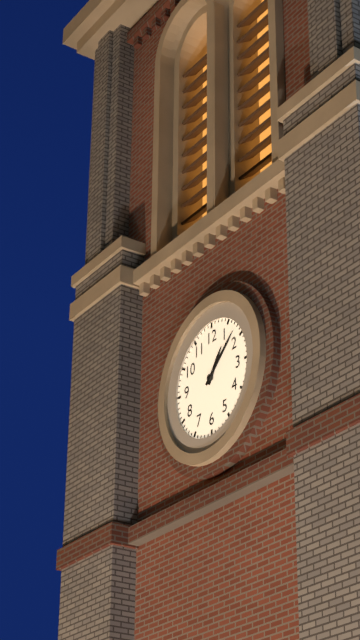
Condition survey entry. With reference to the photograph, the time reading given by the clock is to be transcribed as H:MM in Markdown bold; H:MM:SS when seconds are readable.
**1:08**
